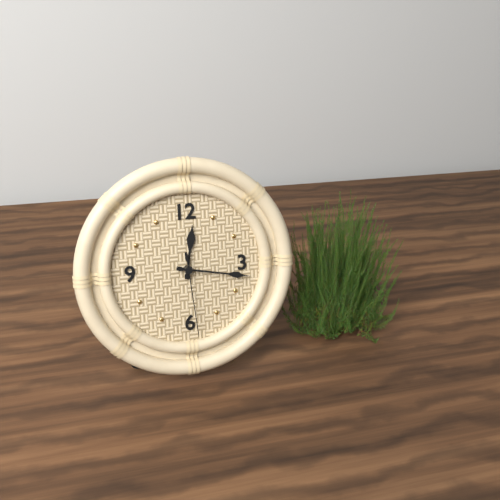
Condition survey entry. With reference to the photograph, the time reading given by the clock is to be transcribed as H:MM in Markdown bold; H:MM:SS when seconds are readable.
**12:17:29**
